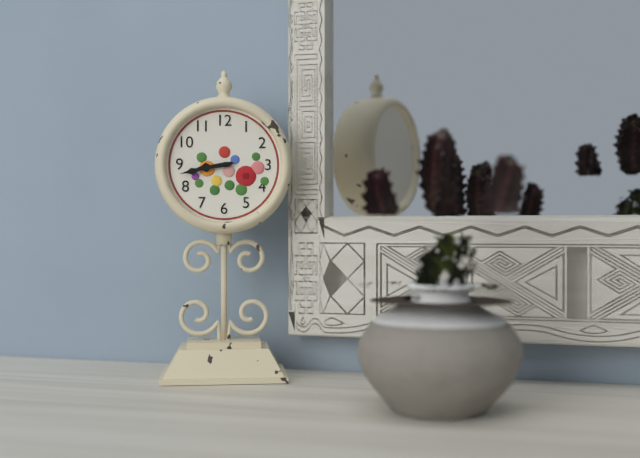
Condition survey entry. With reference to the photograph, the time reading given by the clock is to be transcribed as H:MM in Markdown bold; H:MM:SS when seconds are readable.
**8:43**
